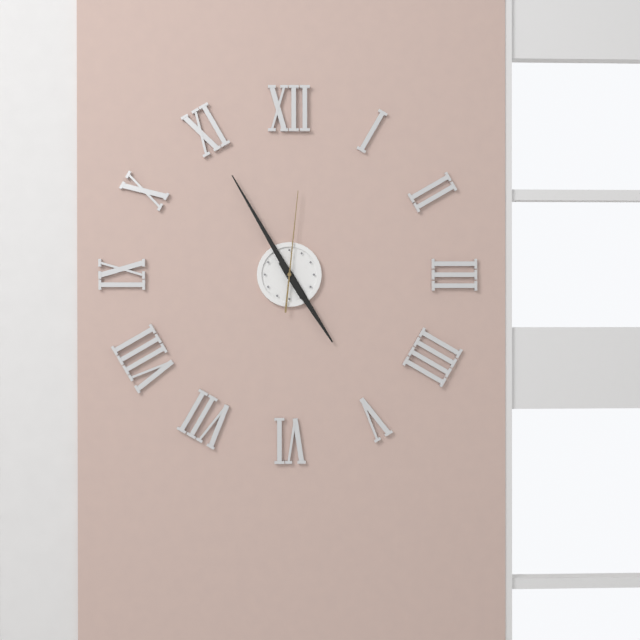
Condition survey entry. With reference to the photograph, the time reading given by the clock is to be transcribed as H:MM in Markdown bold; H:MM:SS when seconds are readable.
**4:55:01**
